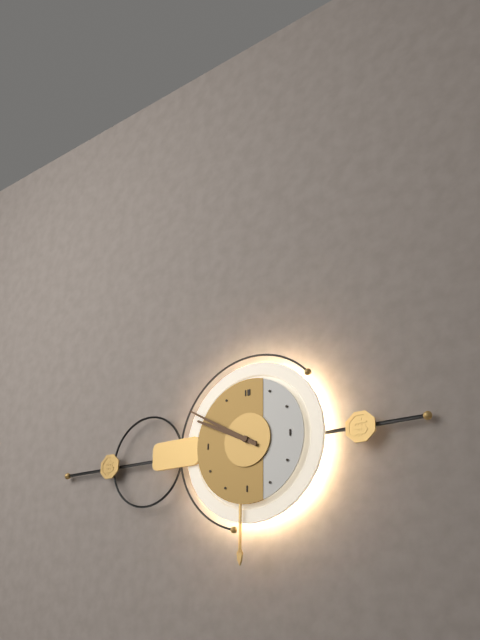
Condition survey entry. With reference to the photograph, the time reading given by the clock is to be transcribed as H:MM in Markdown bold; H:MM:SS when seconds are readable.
**9:50**
